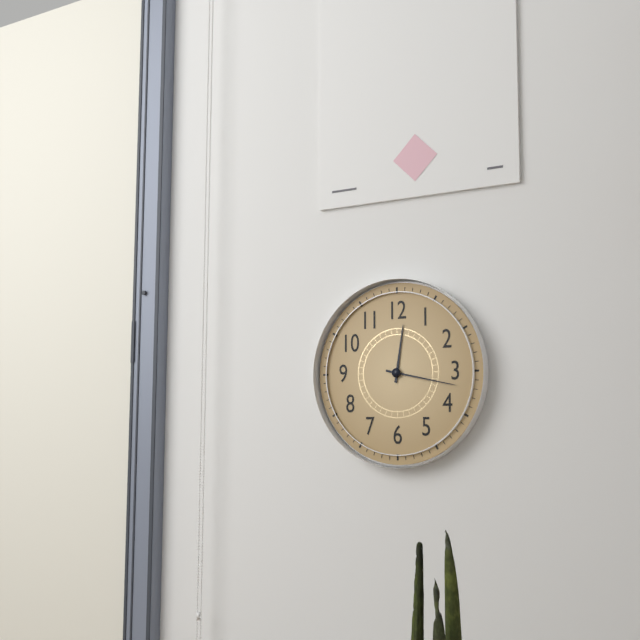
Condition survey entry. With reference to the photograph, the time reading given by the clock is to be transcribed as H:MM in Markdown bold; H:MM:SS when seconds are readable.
**12:17**
